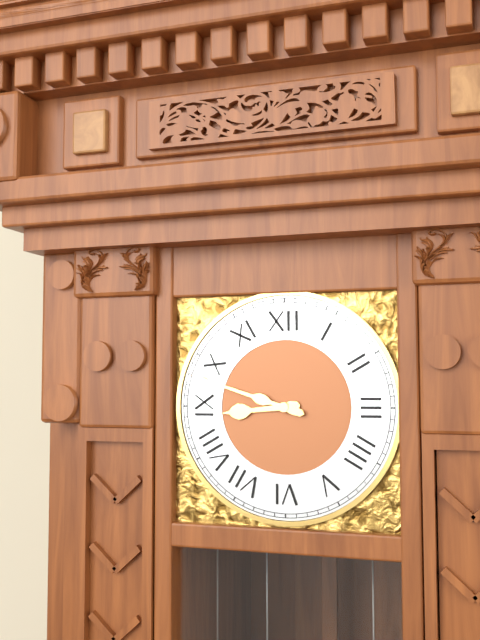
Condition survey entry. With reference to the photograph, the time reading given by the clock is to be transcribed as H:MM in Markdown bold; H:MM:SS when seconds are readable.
**8:48**
